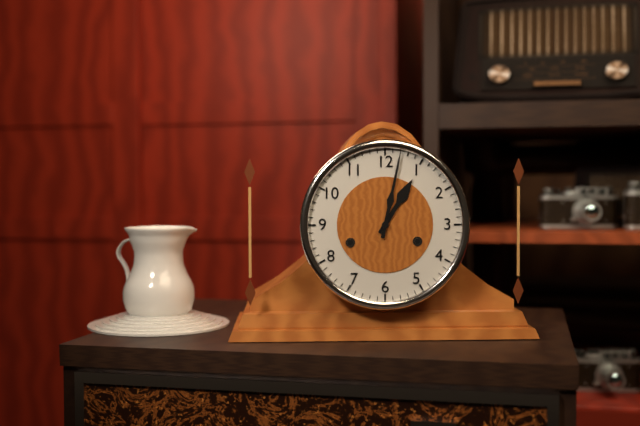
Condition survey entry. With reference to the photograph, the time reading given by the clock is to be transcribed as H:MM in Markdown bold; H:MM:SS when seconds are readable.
**1:02**
